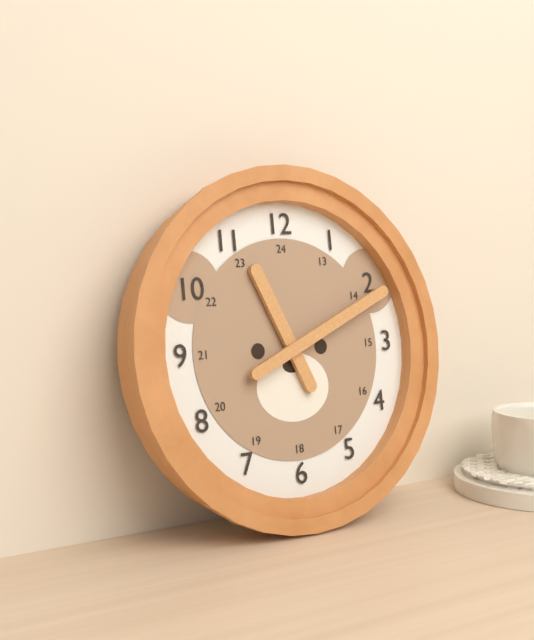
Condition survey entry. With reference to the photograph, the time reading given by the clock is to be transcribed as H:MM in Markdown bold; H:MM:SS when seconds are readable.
**11:11**
